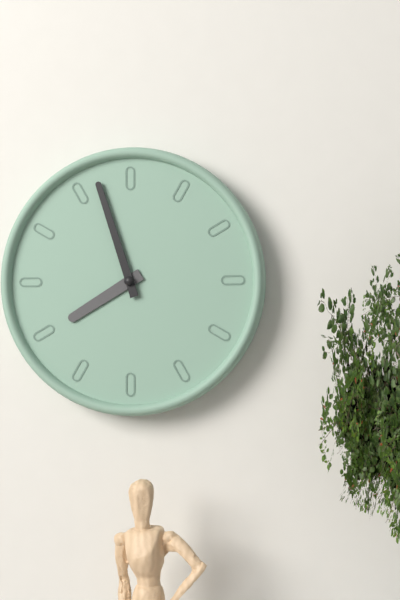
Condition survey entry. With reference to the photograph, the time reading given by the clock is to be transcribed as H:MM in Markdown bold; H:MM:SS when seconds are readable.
**7:57**
